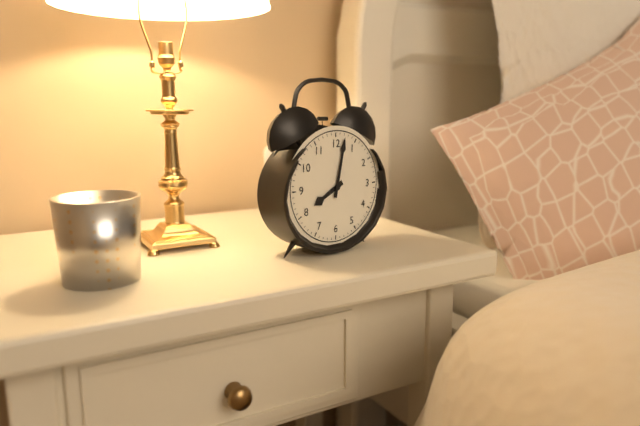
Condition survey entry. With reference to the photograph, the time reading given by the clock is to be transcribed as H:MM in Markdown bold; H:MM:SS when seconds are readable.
**8:02**
